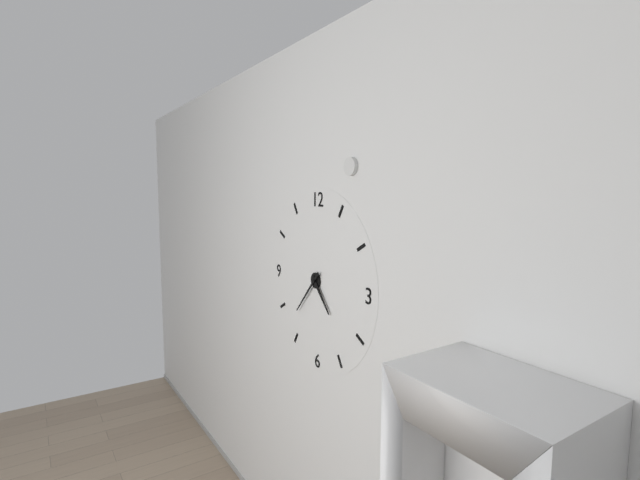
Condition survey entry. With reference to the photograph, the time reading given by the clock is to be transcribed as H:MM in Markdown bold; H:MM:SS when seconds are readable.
**4:37**
